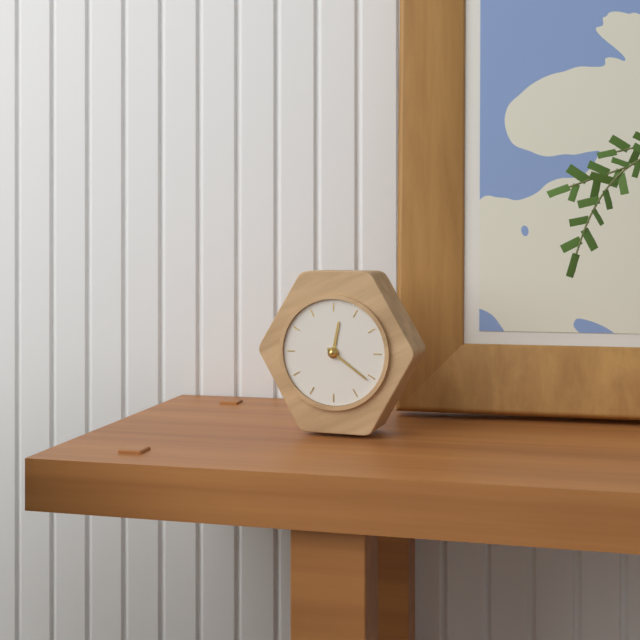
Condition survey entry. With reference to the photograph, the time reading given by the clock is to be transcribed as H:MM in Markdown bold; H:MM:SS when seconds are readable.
**12:21**
